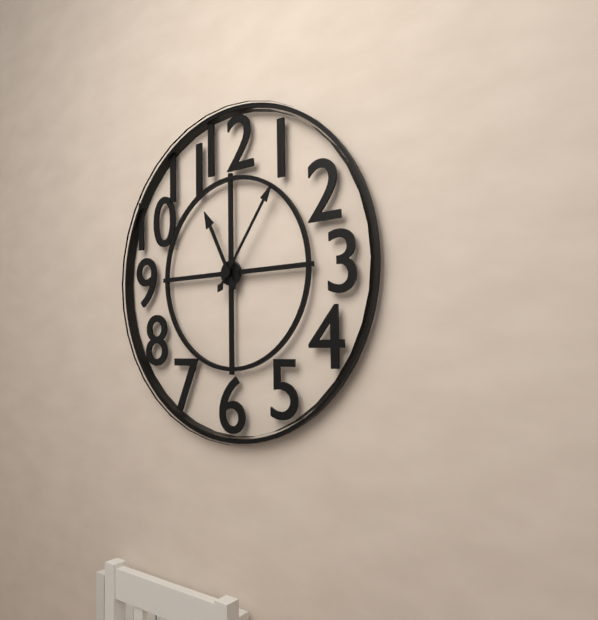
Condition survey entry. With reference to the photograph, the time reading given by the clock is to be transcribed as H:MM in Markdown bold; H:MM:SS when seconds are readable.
**11:06**
